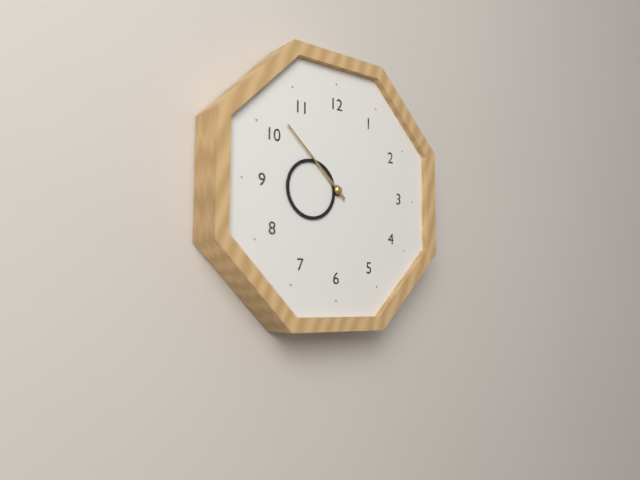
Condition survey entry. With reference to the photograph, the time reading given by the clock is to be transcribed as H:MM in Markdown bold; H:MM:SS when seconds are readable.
**8:52**
